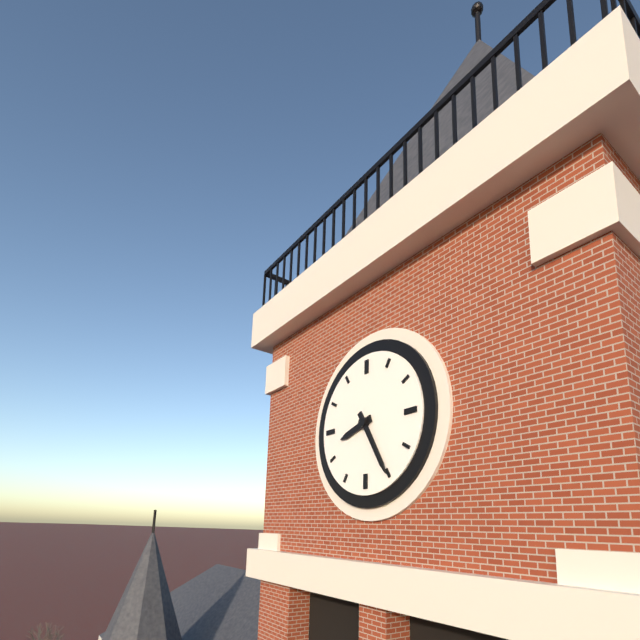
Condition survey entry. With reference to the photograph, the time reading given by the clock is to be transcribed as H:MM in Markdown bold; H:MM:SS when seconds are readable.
**8:25**
